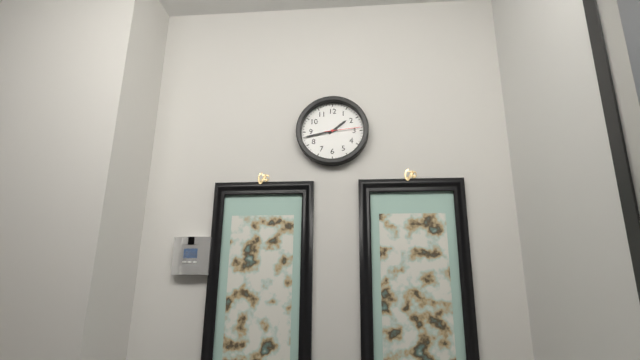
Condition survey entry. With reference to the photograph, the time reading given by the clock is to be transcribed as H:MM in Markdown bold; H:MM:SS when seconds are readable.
**1:43**
